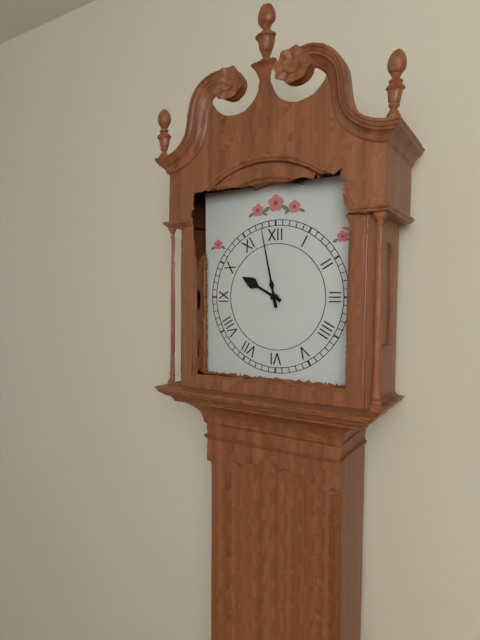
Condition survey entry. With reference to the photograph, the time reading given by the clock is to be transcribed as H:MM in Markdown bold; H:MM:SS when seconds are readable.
**9:58**
